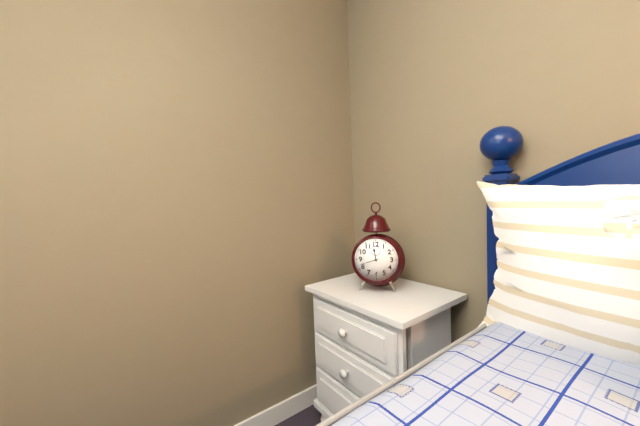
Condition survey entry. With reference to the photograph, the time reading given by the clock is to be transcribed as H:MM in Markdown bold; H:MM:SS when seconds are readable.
**11:42**
